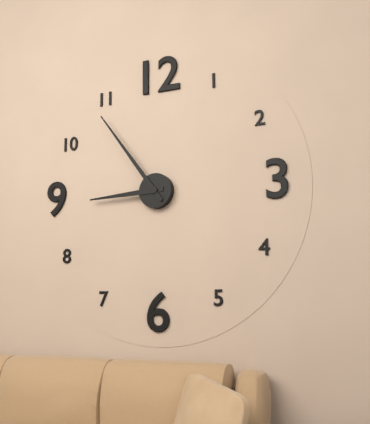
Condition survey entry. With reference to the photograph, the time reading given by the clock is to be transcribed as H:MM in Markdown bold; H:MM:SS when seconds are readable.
**8:54**
